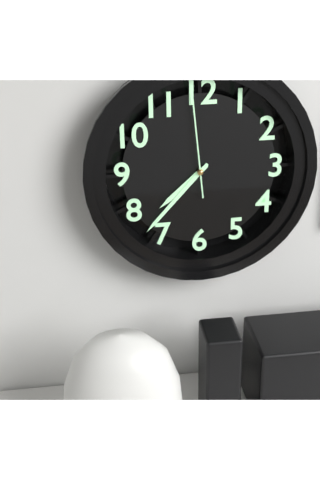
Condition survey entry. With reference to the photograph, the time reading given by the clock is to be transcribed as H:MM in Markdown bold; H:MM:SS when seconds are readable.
**7:37:59**
